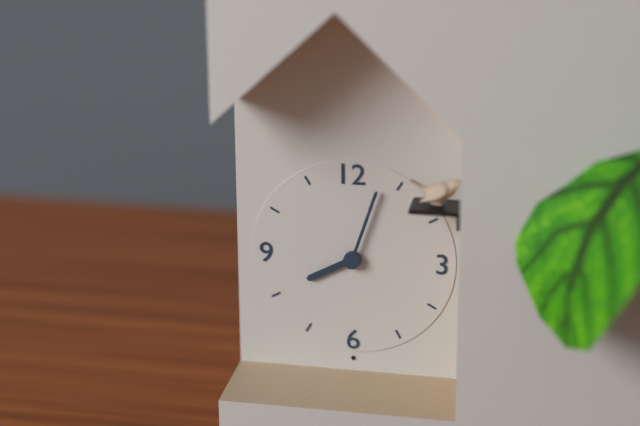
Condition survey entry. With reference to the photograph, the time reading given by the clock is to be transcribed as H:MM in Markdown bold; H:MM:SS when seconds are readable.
**8:03**
